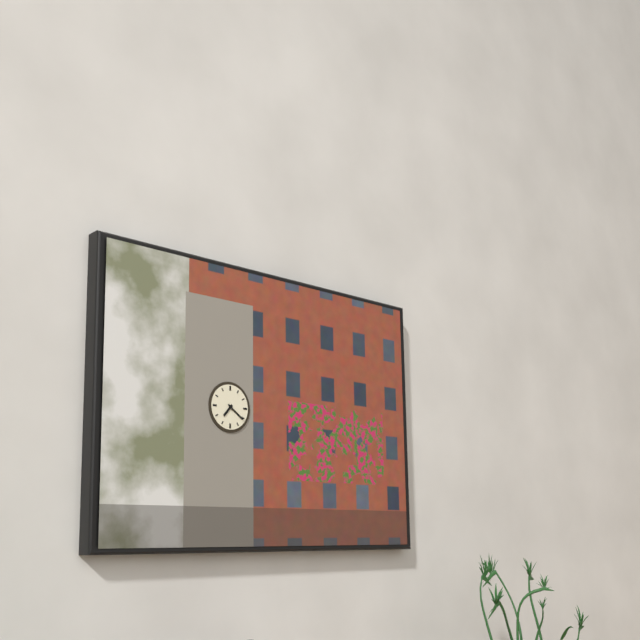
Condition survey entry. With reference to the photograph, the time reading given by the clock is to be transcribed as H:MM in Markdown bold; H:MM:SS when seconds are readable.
**7:21**
